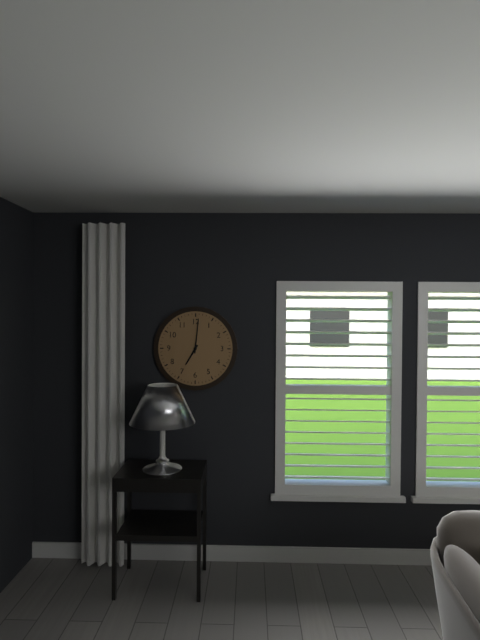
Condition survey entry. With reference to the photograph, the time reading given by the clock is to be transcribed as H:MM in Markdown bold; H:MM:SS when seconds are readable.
**7:01**
